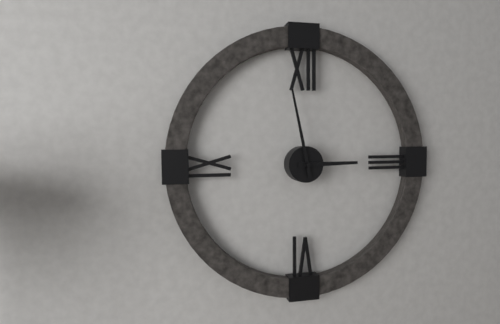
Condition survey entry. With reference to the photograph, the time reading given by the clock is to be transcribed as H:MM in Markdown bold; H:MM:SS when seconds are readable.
**2:58**
